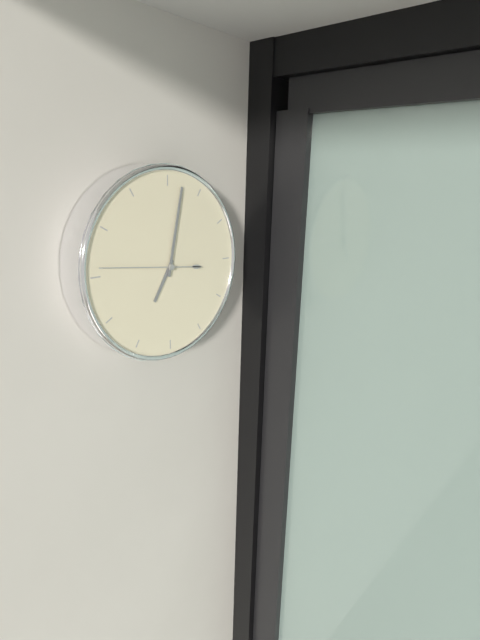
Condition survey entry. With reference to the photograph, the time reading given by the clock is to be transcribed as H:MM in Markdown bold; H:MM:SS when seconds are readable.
**7:02:46**
